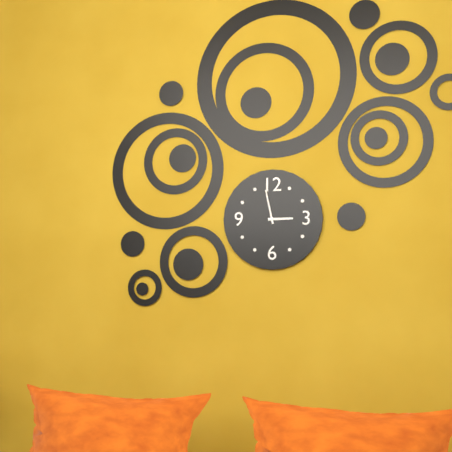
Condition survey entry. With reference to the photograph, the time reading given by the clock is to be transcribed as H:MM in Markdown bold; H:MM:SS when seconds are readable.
**2:58**
